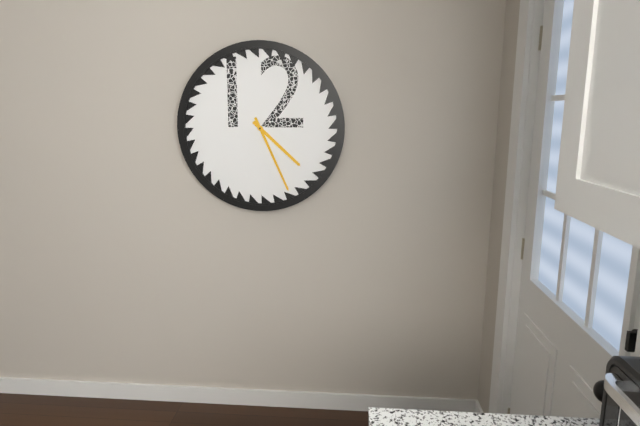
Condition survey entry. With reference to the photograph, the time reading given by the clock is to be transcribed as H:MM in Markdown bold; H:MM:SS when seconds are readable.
**4:26**
